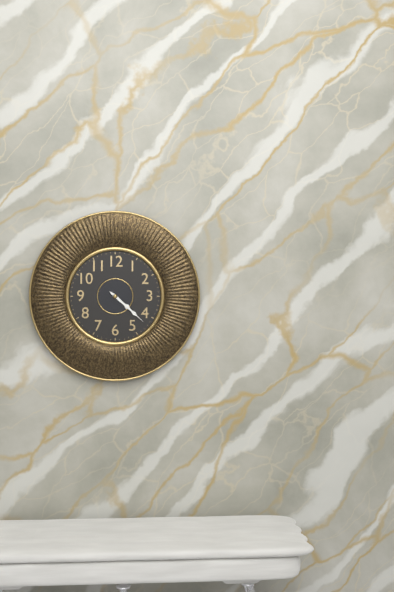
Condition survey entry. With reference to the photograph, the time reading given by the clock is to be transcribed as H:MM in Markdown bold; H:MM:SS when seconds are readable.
**4:22**
